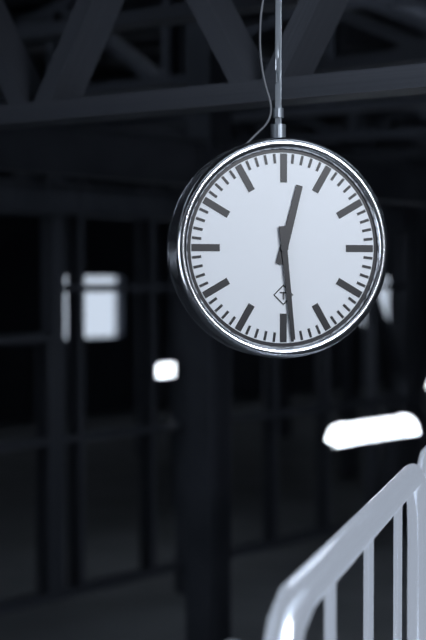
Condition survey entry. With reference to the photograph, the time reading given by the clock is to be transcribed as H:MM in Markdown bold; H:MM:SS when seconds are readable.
**12:29**
